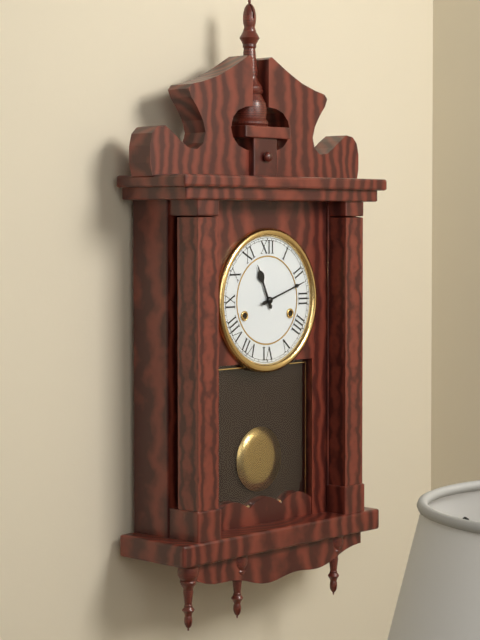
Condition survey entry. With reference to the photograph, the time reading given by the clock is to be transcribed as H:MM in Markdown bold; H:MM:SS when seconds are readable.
**11:12**
